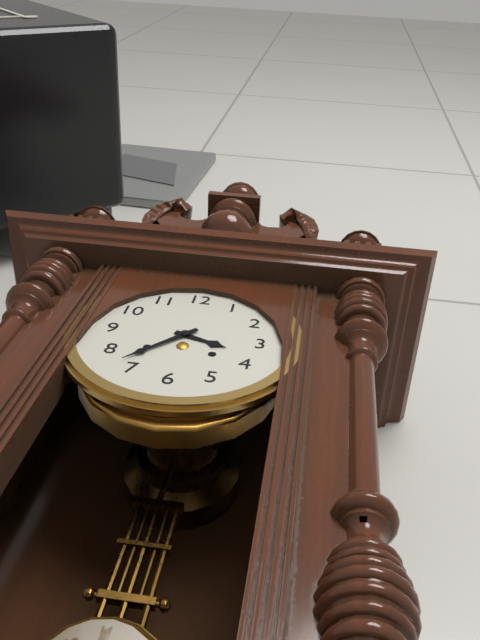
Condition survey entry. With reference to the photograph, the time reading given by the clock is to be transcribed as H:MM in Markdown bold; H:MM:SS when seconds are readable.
**3:37**
